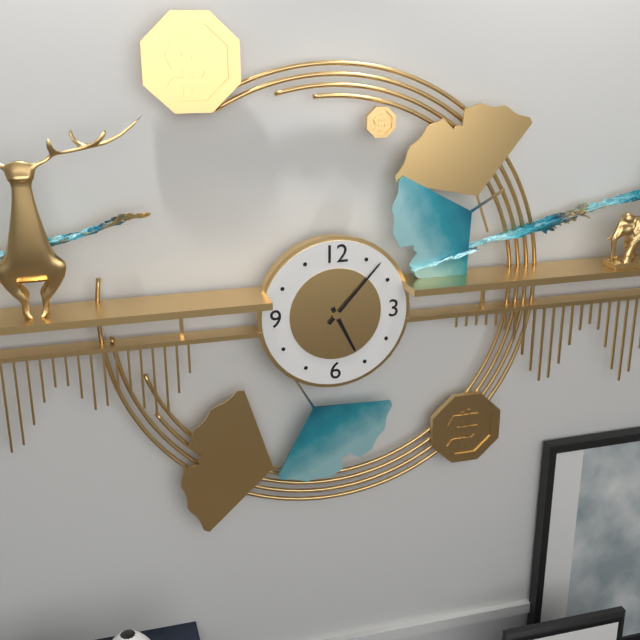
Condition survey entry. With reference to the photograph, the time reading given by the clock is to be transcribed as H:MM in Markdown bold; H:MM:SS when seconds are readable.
**5:07**
